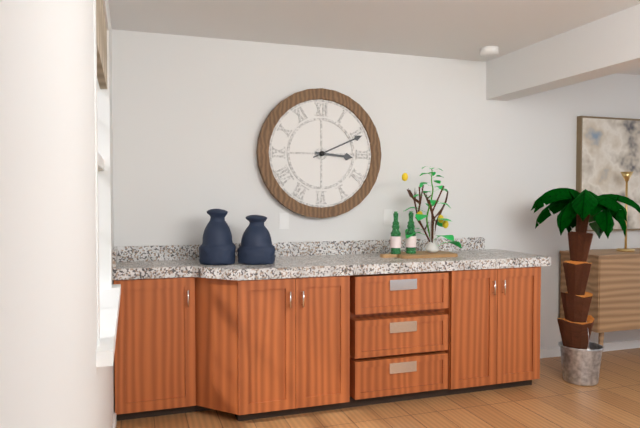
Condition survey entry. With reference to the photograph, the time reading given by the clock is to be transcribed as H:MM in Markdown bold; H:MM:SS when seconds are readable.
**3:11**
